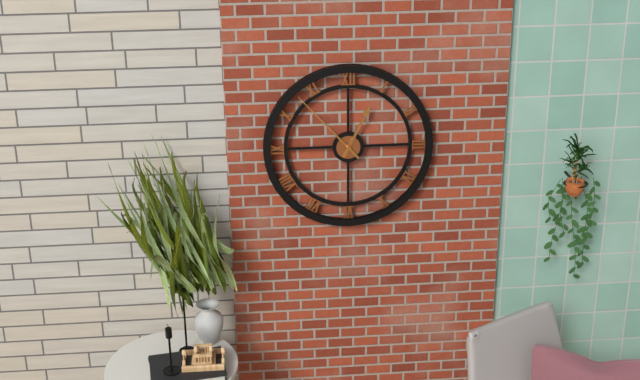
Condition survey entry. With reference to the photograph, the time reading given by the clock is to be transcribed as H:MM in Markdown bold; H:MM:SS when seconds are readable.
**12:53**
